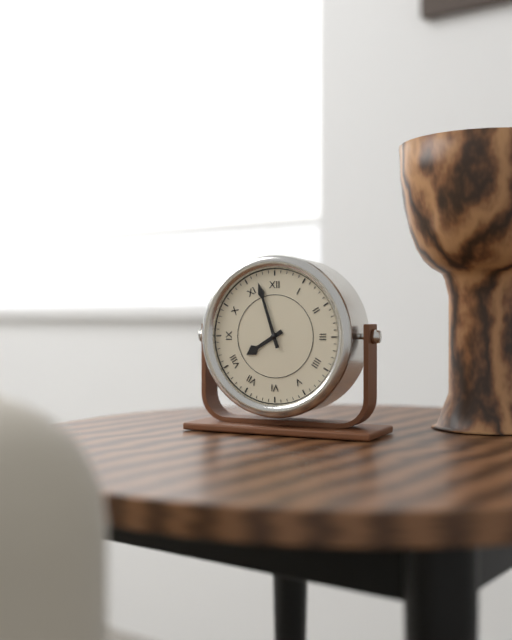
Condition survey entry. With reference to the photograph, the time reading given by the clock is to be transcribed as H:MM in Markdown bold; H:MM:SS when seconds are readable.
**7:57**
